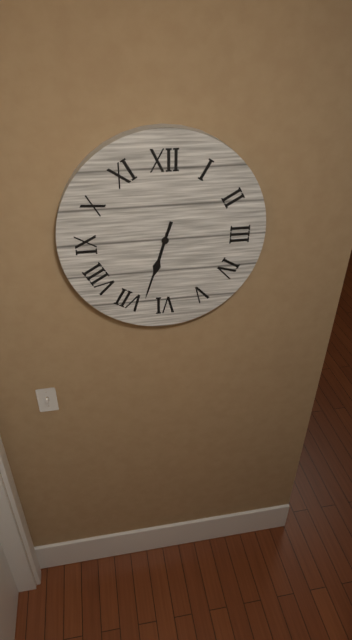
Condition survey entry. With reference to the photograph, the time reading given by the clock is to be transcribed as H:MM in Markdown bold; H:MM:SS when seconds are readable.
**6:33**
